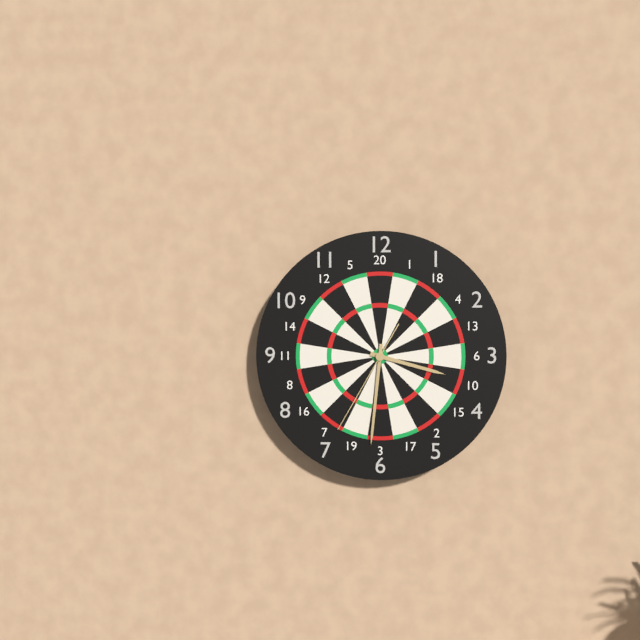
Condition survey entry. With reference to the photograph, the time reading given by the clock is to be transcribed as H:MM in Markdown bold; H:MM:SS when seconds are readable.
**3:31:35**
